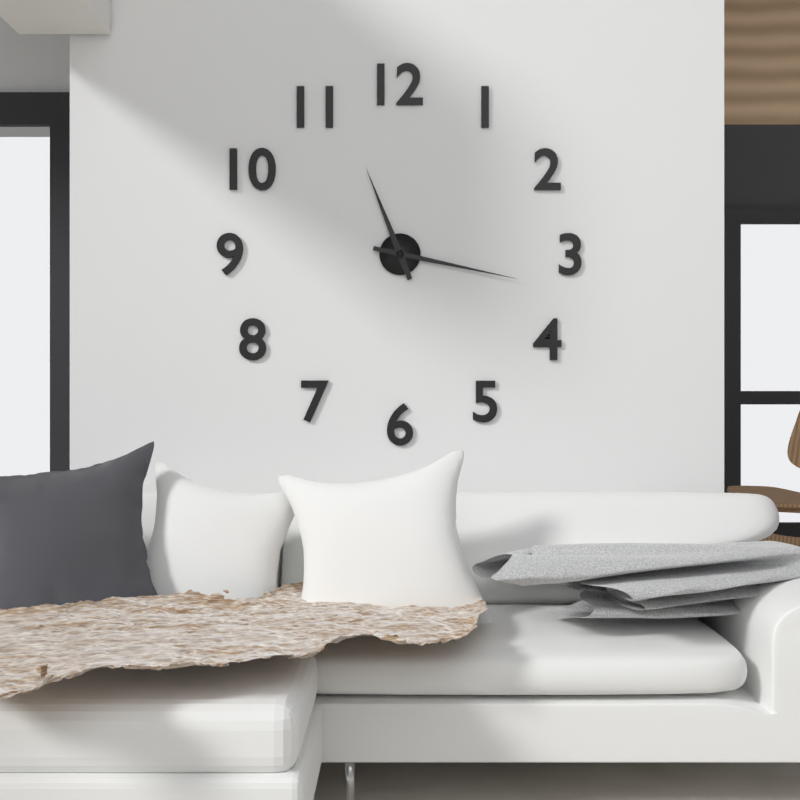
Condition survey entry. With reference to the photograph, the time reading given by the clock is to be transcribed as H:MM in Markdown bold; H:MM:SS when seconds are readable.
**11:17**
